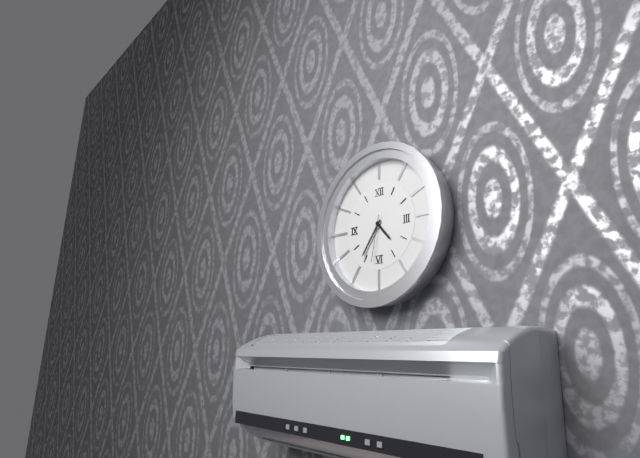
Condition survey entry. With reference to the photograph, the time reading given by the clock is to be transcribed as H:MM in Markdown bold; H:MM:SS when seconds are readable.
**4:36**
